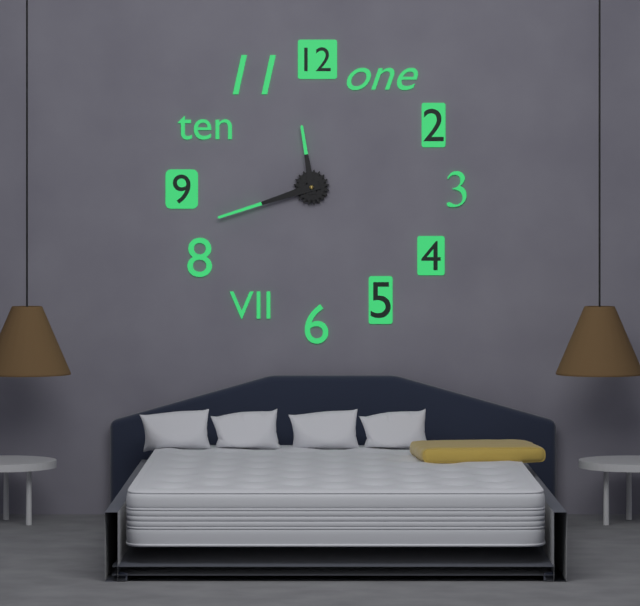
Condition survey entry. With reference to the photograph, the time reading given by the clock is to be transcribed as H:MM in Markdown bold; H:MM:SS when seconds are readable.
**11:42**
